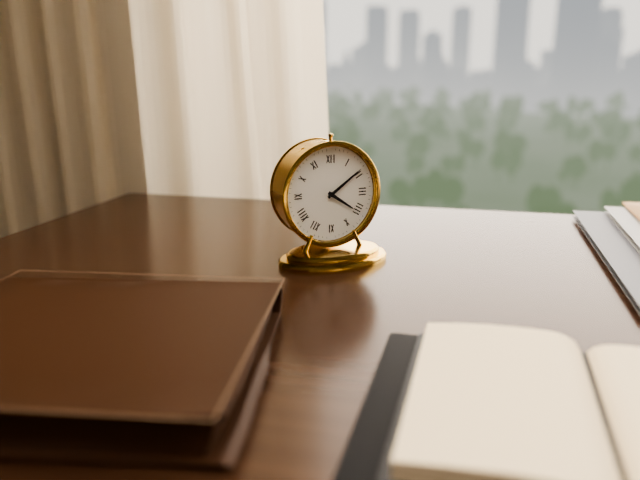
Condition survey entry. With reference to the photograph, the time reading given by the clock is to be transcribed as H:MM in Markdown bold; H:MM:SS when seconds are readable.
**4:09**
